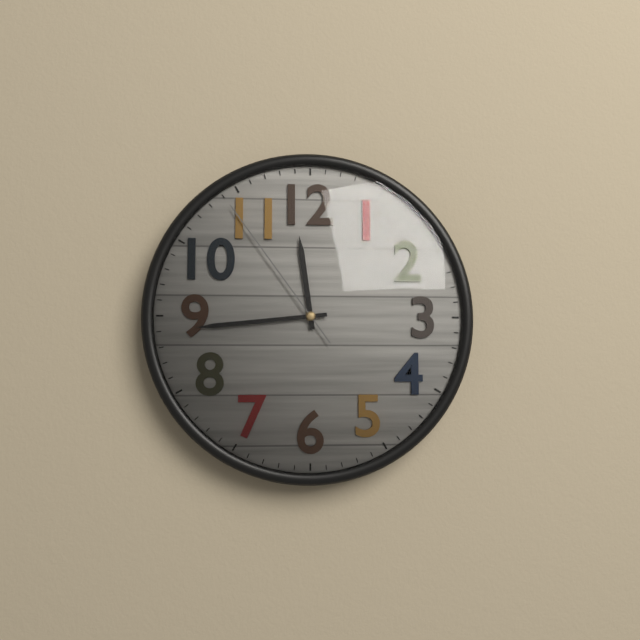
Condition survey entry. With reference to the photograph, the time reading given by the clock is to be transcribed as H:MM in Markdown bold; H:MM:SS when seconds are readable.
**11:44:54**
